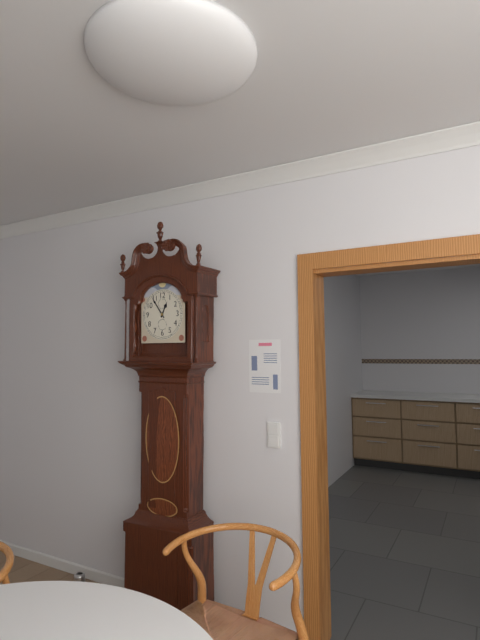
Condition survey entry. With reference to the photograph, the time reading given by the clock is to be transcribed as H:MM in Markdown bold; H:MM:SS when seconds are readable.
**12:54**
